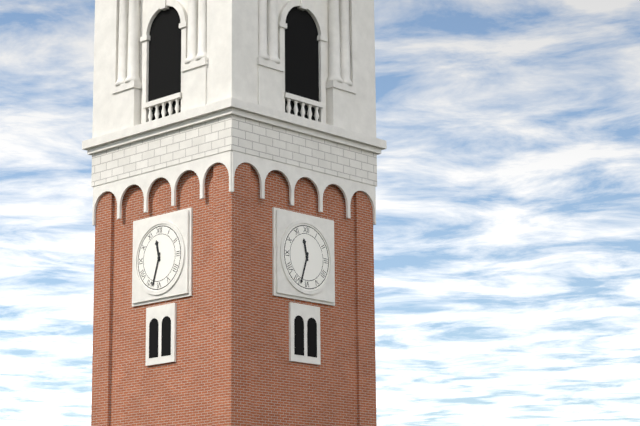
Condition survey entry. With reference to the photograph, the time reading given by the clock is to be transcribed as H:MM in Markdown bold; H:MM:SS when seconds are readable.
**11:33**
